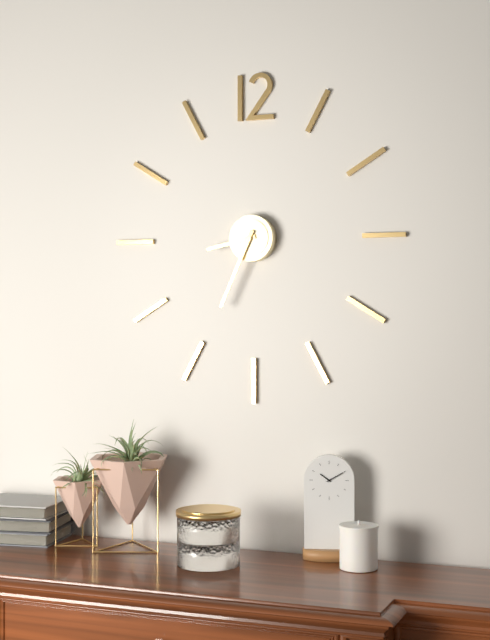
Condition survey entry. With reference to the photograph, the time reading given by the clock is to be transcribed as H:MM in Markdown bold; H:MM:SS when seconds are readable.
**8:34**
